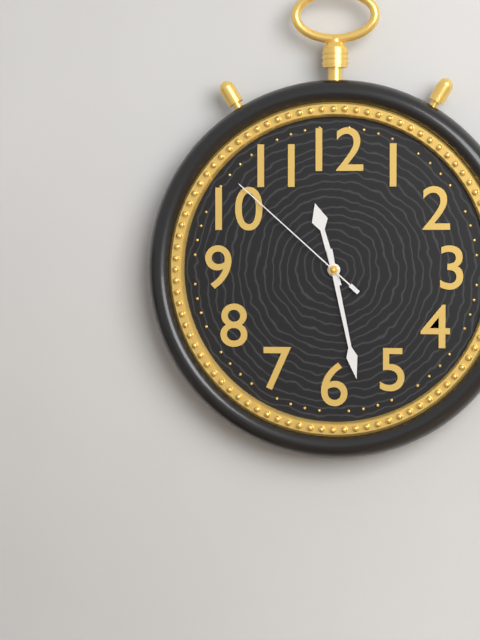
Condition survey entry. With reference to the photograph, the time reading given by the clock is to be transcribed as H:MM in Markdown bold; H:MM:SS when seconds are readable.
**11:28:52**
